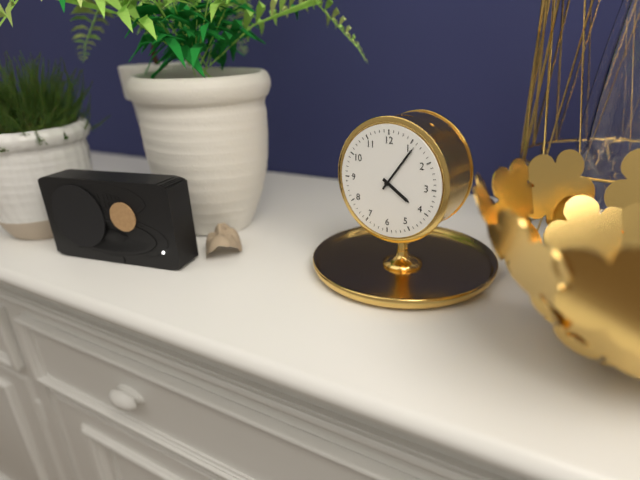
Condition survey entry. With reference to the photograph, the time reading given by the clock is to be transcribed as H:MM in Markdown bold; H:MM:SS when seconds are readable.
**4:06**
